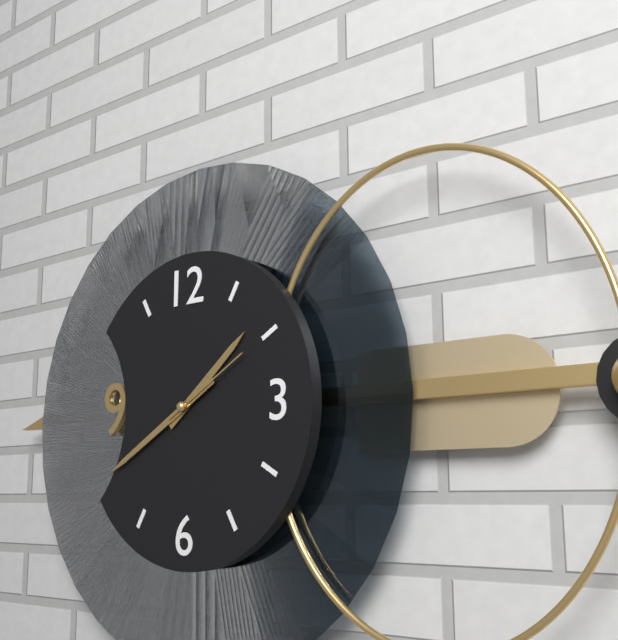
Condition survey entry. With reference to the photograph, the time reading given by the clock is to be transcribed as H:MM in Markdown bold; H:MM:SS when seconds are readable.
**1:40:10**
